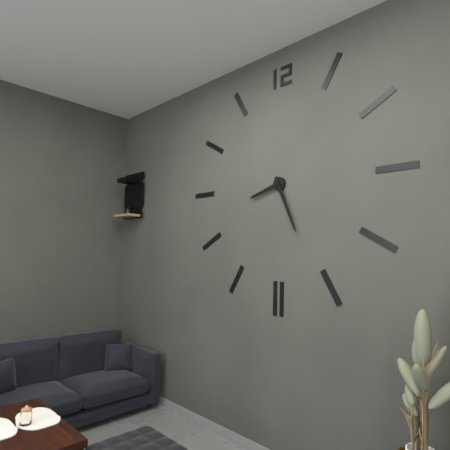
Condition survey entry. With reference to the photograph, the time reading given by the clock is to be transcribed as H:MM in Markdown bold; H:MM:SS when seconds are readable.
**8:26**
